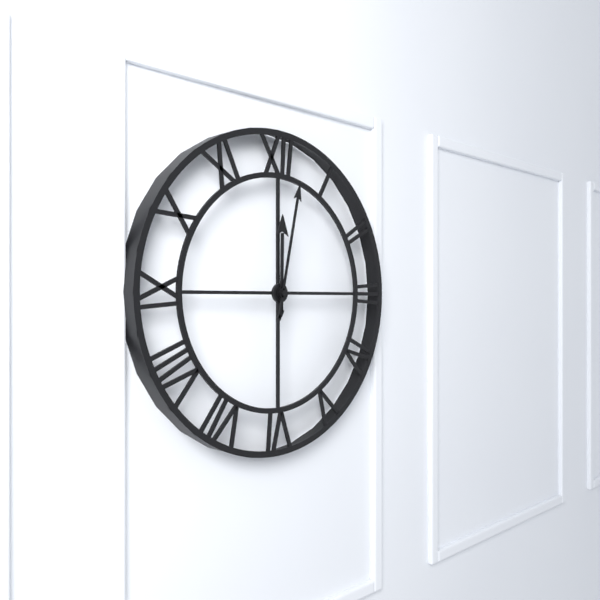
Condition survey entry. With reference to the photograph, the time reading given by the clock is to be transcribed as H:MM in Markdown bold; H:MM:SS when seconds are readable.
**12:02**
